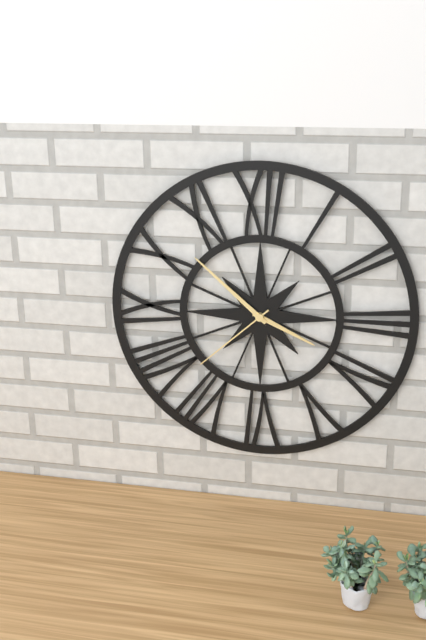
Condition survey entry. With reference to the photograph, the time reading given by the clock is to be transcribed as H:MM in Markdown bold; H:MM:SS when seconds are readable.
**3:52:38**
